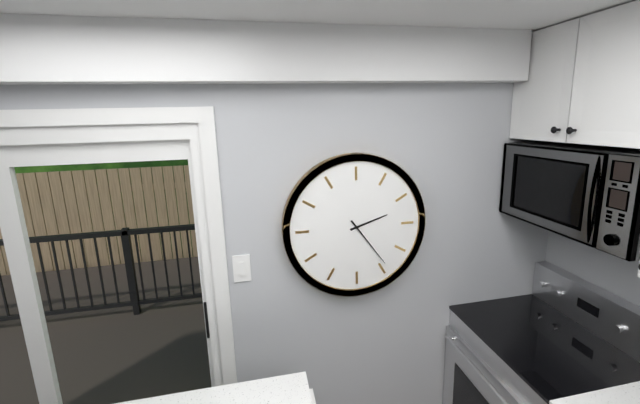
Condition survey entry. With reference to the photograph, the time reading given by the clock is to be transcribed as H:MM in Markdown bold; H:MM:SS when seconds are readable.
**2:24**
